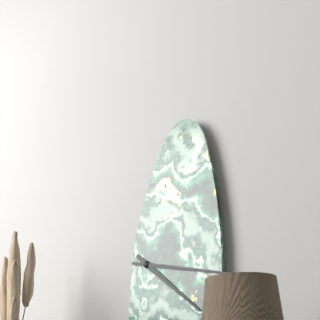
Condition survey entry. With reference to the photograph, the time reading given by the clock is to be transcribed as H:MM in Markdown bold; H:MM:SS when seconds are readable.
**4:17**
